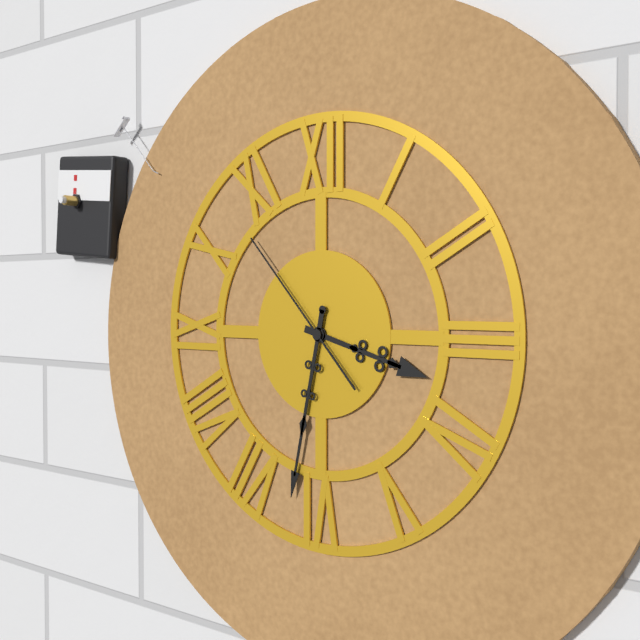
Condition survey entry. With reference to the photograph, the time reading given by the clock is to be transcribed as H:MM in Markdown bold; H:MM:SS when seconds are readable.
**3:32:53**
